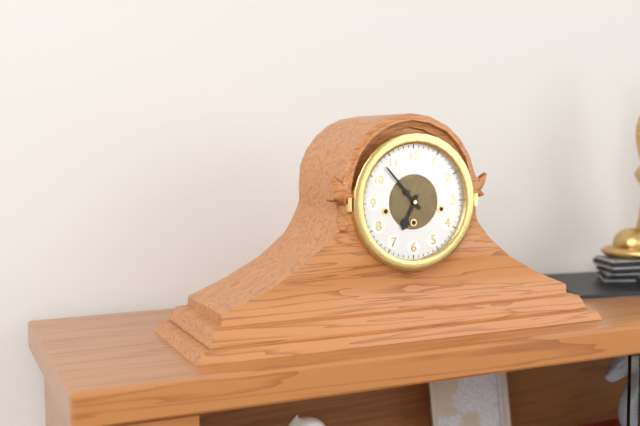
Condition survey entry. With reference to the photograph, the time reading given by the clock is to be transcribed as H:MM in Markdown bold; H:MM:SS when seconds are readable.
**6:53**
